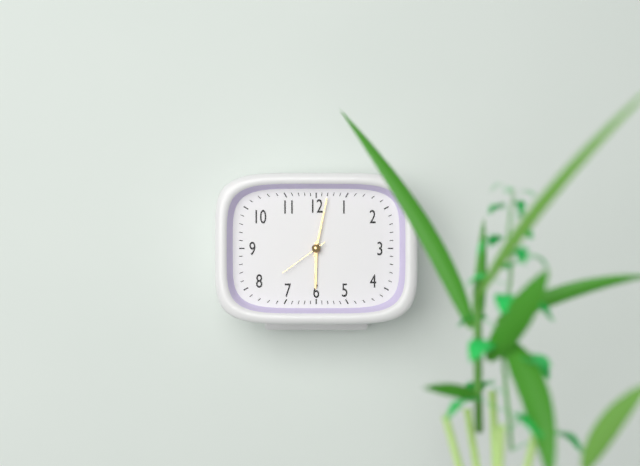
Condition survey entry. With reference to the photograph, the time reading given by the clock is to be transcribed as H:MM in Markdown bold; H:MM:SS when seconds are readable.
**6:02:39**
